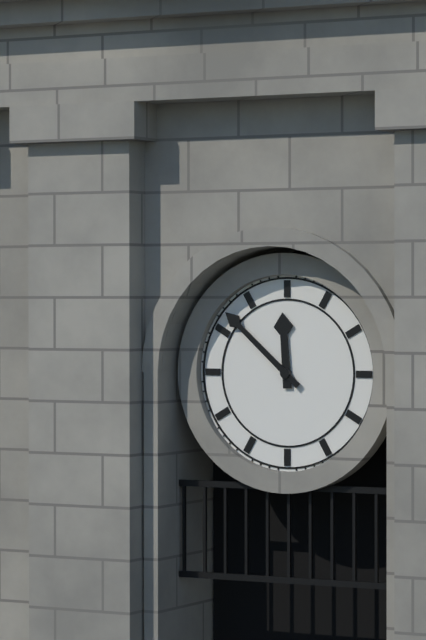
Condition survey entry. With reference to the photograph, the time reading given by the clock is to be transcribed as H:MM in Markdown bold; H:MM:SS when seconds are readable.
**11:52**
